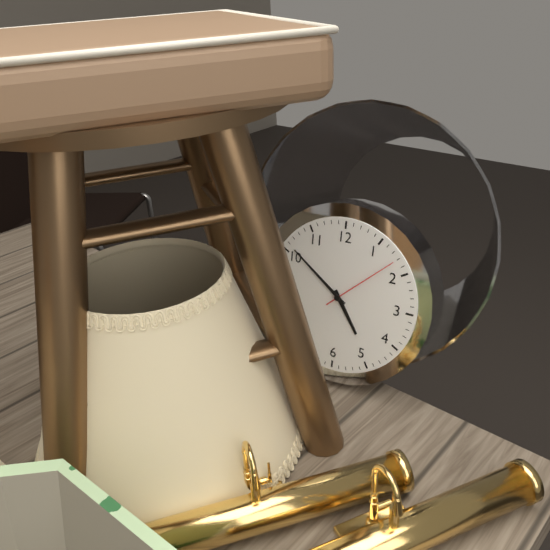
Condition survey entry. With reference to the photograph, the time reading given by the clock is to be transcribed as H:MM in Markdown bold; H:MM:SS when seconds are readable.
**4:51:08**
